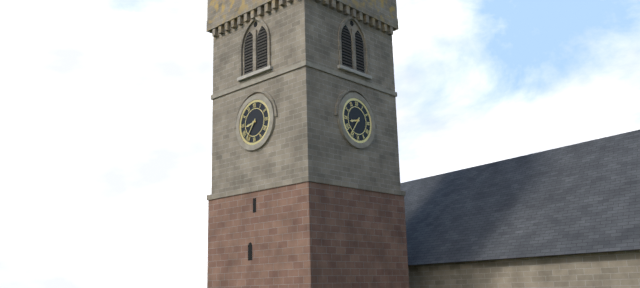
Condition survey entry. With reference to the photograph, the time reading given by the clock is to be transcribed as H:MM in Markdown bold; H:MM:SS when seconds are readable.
**8:36**
